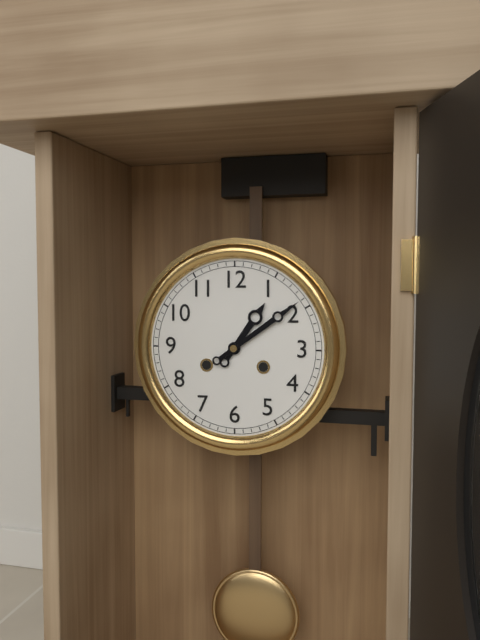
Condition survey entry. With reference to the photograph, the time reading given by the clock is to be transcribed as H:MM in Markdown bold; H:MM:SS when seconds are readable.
**1:09**
